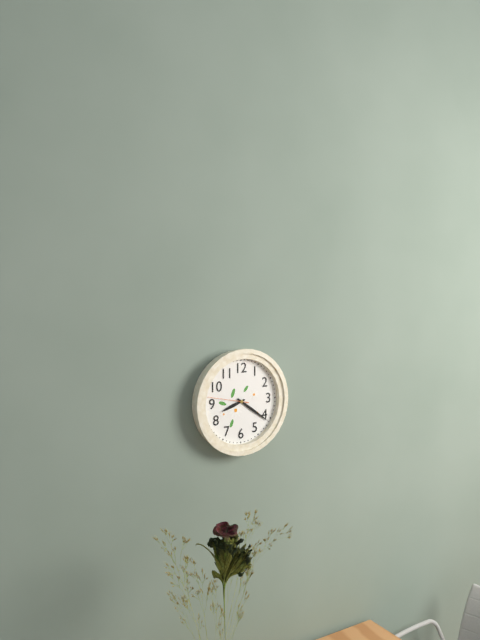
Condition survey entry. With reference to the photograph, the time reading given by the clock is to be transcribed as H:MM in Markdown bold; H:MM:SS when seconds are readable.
**8:21**
